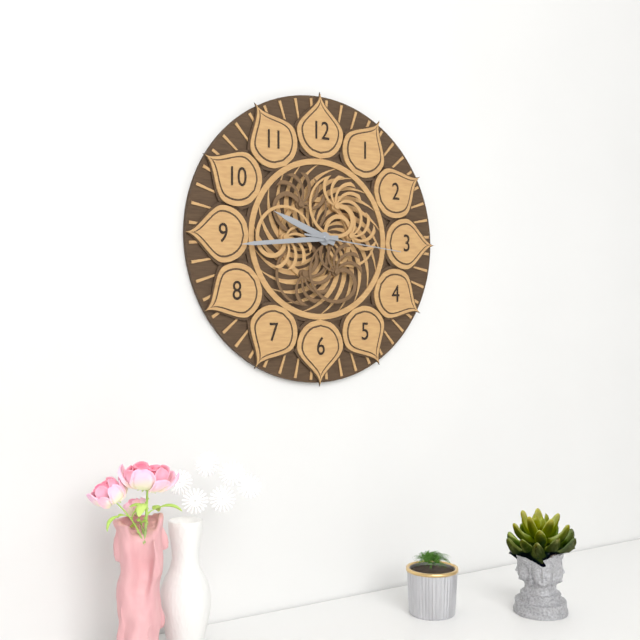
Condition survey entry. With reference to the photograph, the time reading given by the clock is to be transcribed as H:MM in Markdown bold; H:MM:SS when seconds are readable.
**9:44:16**
